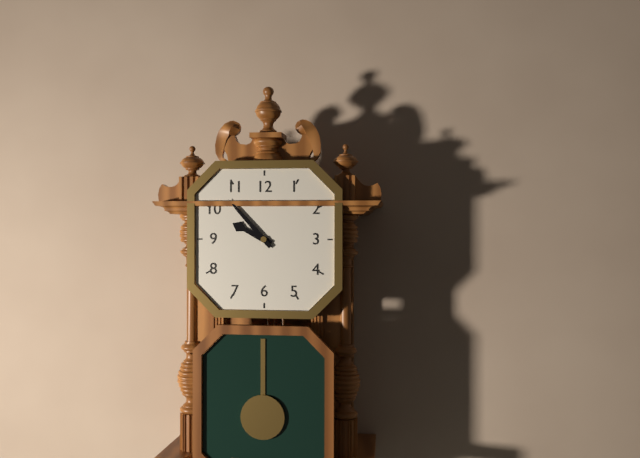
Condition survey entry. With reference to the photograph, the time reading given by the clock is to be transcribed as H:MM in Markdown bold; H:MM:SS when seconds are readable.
**9:53**
